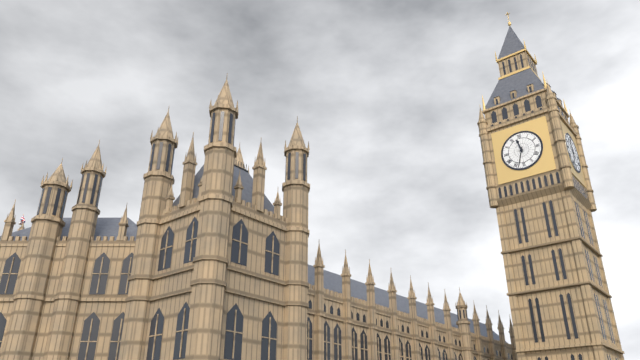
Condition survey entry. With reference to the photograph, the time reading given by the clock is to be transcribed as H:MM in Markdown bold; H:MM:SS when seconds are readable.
**11:33**
